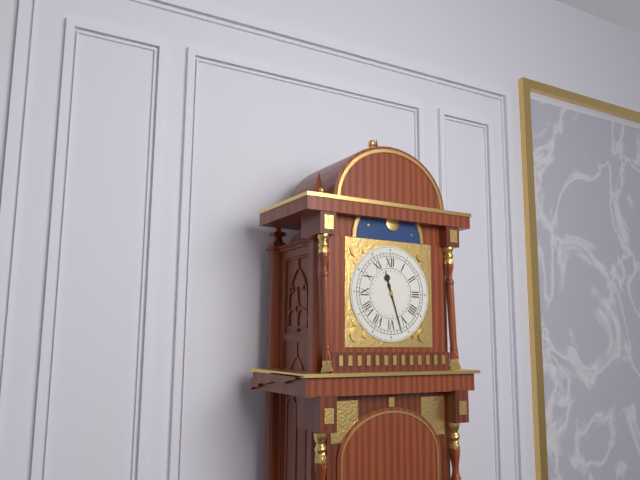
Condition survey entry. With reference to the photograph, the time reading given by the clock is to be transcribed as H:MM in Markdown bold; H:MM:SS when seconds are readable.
**11:27**
